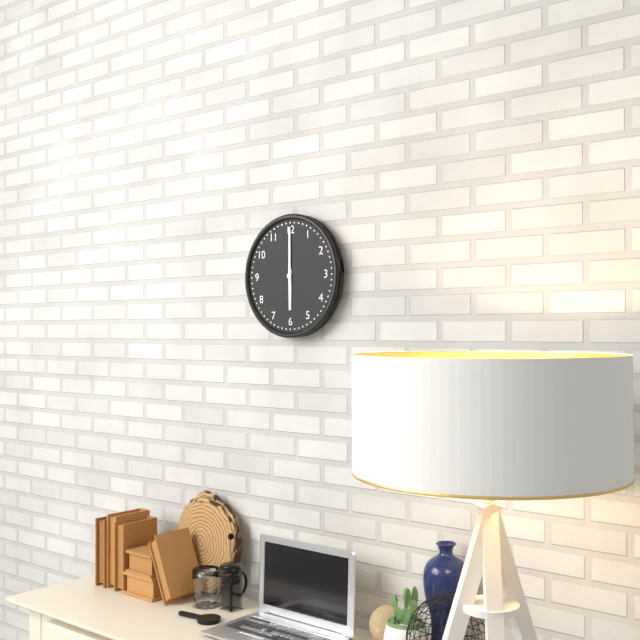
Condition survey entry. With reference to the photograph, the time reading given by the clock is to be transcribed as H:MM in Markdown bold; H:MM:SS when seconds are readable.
**6:00**
